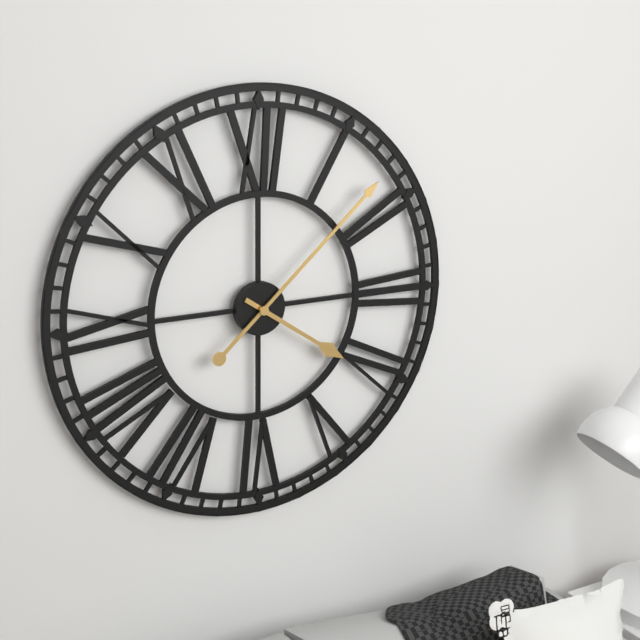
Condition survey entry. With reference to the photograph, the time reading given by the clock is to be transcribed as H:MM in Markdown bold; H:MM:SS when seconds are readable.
**4:08**
